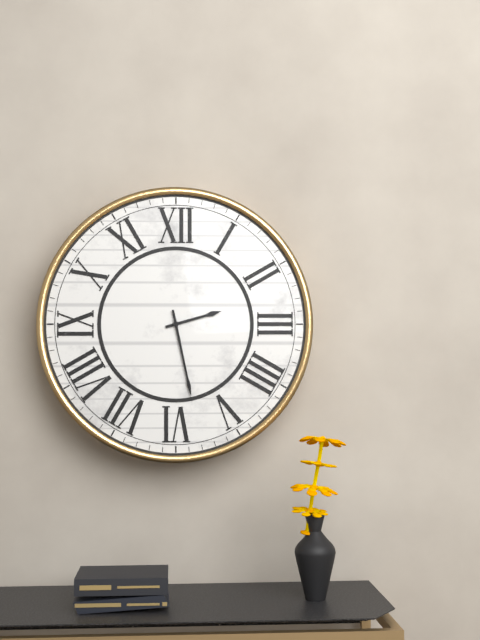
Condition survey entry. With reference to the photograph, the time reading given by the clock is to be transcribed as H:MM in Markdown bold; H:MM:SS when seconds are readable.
**2:28**
